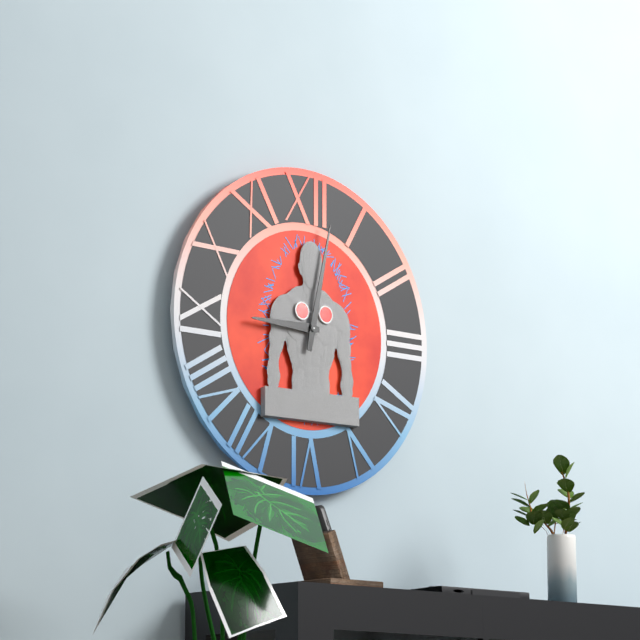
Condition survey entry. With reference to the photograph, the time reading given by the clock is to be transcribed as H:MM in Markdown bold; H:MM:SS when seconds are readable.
**9:02**
